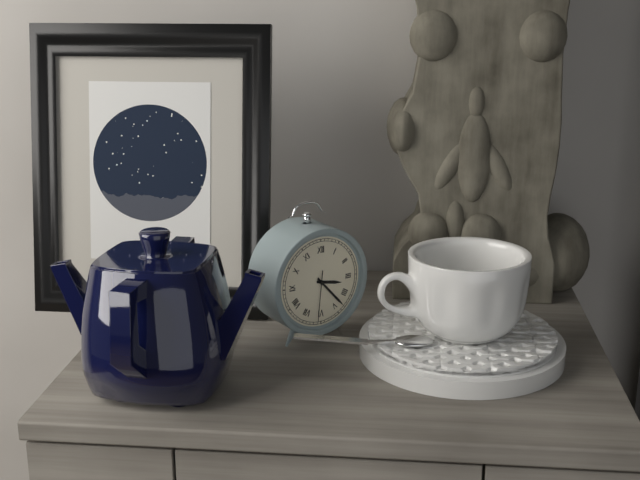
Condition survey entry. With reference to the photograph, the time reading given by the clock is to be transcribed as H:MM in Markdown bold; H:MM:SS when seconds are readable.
**3:23:31**
